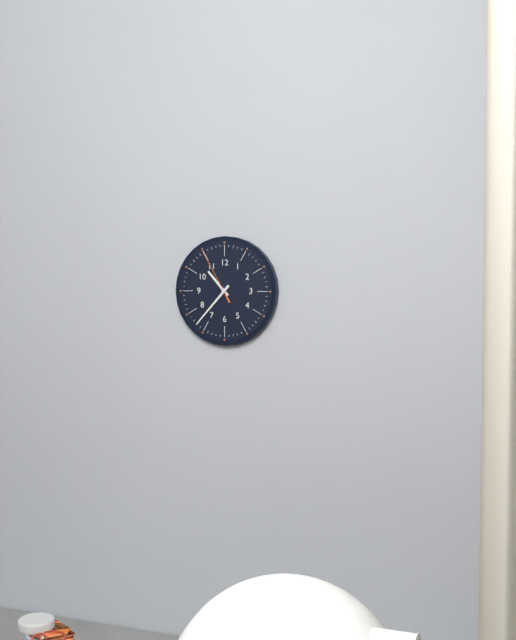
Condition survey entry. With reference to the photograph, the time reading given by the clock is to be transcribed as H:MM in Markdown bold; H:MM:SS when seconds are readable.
**10:37:55**
